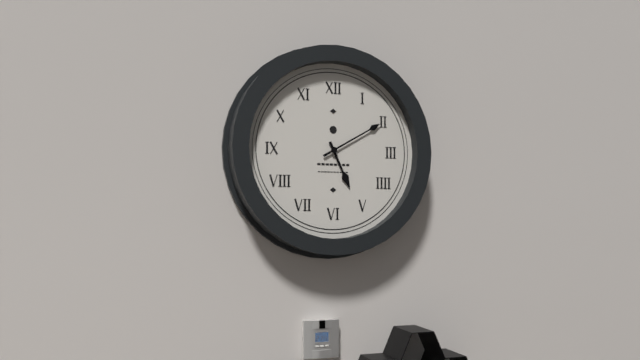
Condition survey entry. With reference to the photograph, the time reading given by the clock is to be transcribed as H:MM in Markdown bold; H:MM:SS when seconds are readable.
**5:10**
